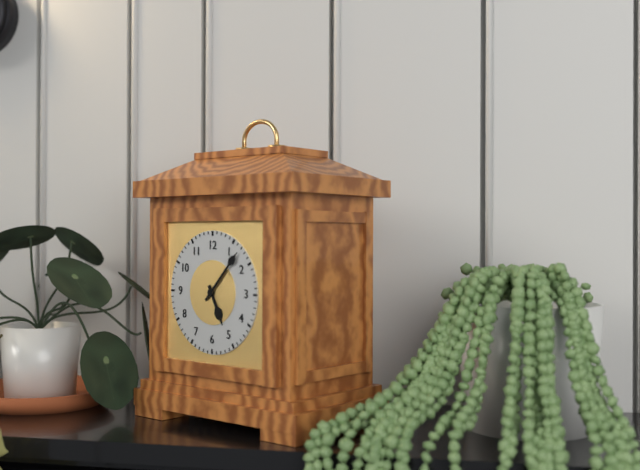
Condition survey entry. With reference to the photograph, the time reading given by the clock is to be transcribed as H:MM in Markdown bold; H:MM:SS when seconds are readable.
**5:07**
